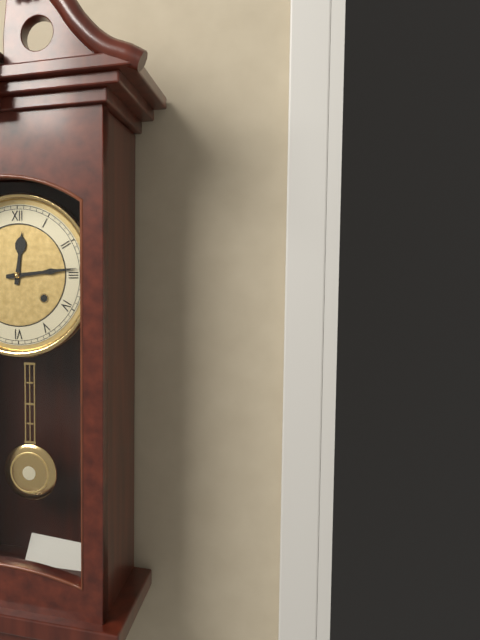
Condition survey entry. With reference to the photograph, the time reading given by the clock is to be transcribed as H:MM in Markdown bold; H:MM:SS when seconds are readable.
**12:14**
